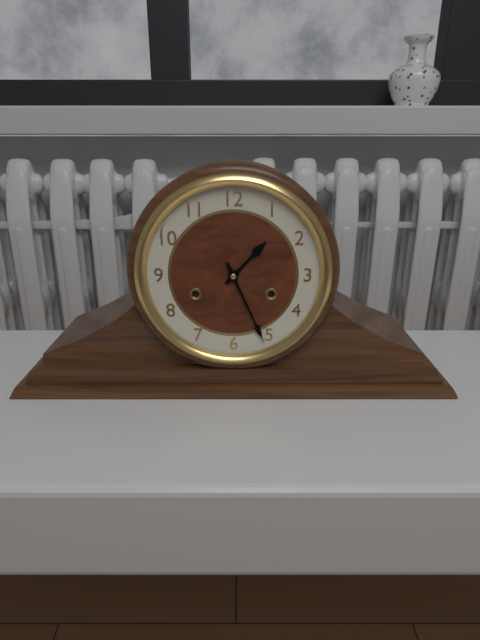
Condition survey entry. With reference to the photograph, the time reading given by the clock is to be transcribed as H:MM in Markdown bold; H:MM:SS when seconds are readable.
**1:26**
